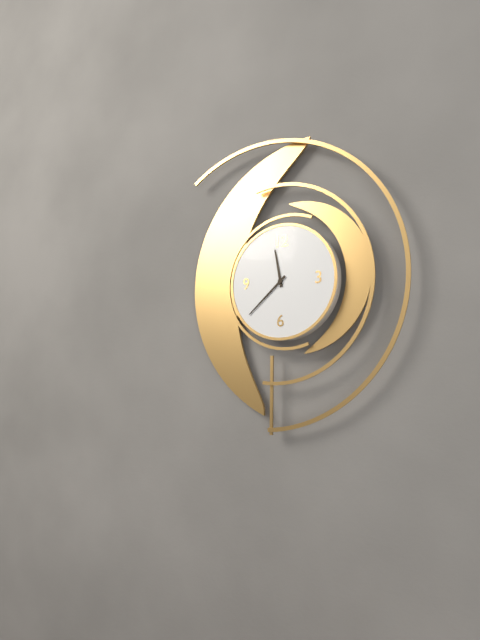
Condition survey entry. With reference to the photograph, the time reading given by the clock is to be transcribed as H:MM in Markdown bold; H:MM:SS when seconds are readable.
**11:38**
